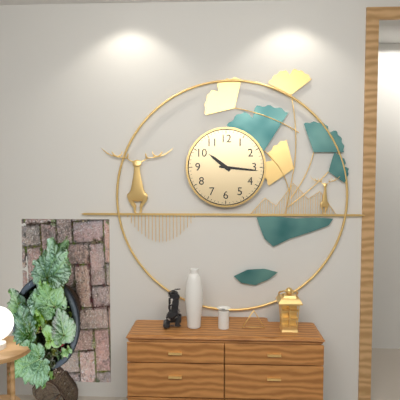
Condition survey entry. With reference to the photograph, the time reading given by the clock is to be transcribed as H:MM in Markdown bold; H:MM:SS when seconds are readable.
**10:16**
